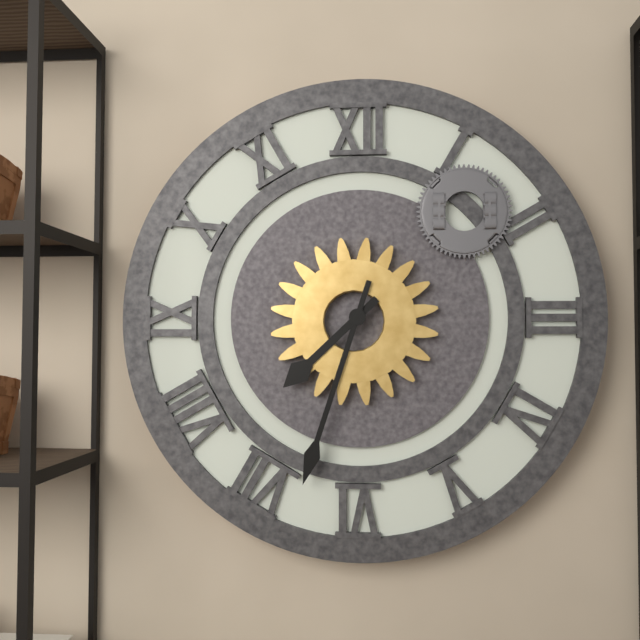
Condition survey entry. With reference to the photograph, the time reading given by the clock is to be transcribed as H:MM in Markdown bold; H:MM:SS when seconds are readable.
**7:33**
